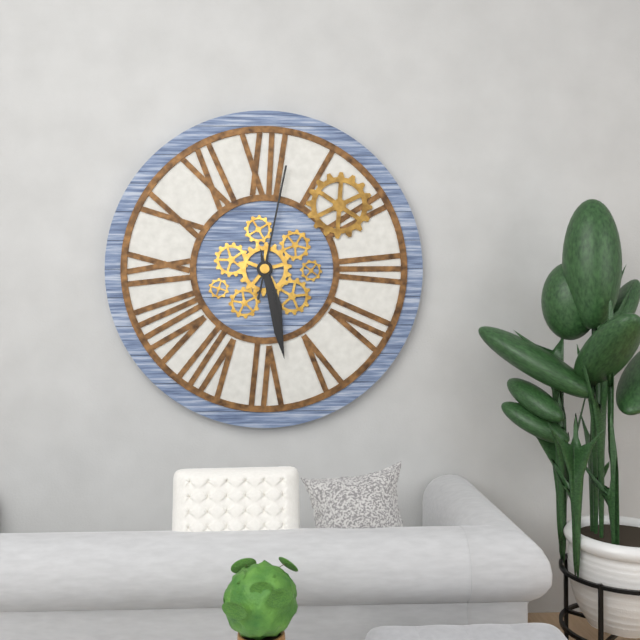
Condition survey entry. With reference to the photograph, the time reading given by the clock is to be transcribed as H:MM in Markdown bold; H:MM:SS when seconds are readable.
**5:28:02**
